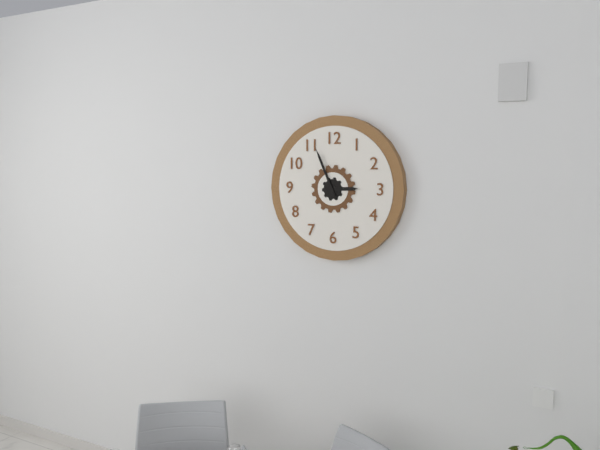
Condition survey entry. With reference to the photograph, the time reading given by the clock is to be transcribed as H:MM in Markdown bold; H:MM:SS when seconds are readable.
**2:56**
